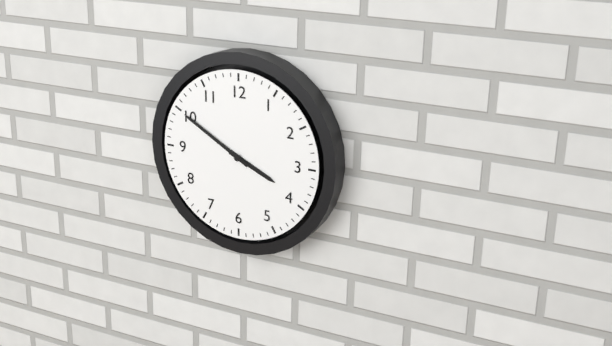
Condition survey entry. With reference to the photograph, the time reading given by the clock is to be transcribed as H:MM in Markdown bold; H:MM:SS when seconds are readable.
**3:50**
